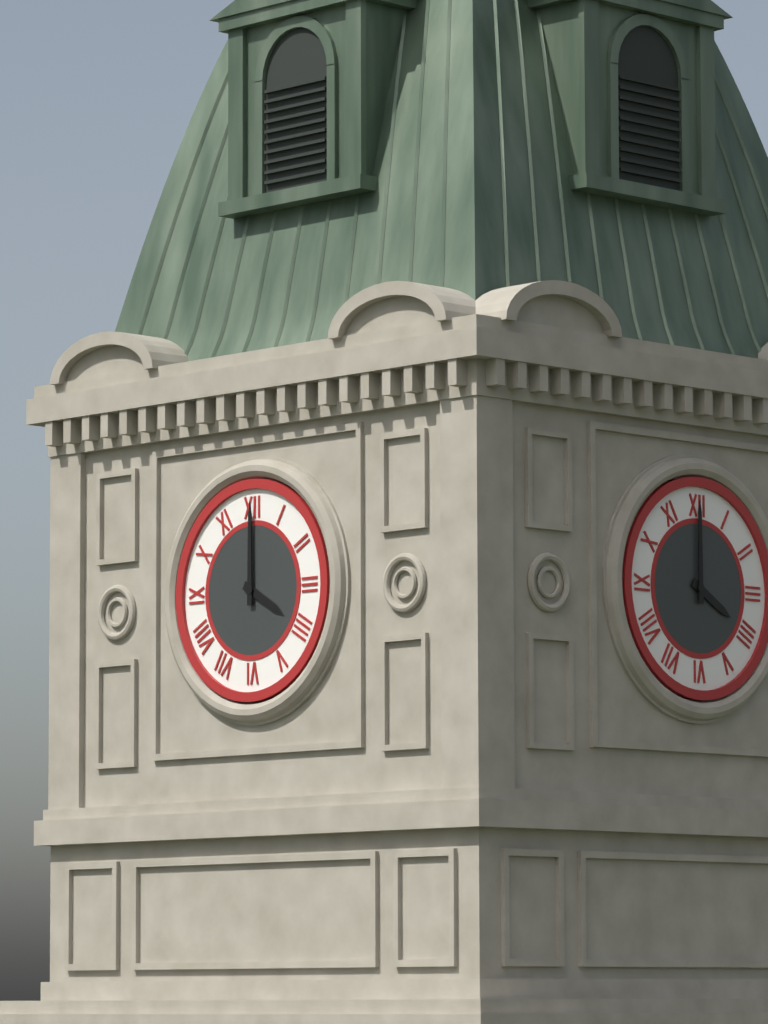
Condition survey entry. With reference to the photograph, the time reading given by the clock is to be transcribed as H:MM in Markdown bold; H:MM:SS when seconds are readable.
**4:00**
